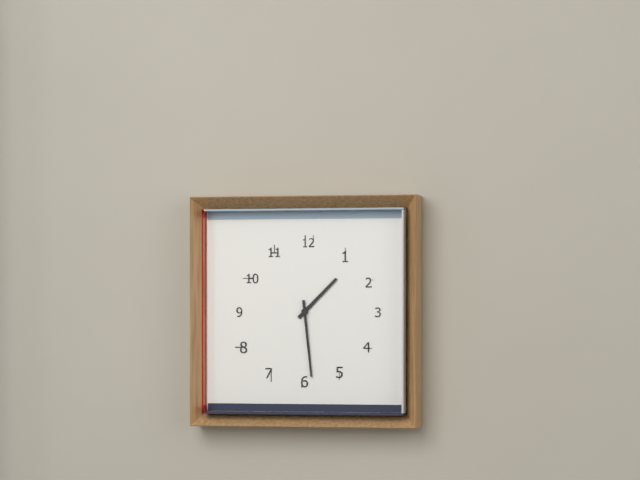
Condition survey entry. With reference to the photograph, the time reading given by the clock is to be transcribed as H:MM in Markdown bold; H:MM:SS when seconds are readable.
**1:29**
